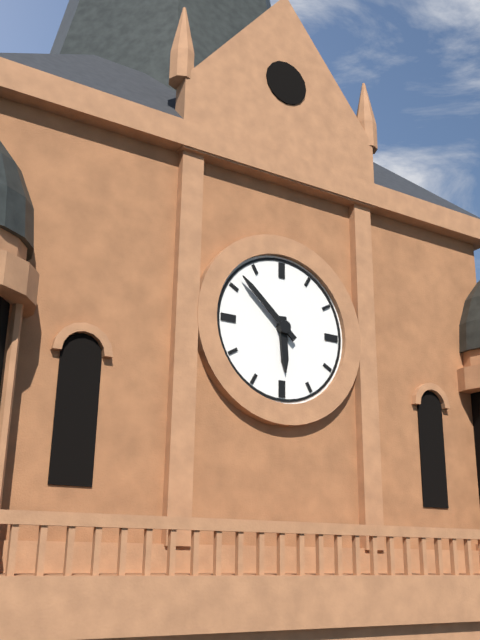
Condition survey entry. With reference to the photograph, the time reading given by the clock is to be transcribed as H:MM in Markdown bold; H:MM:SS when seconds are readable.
**5:52**
